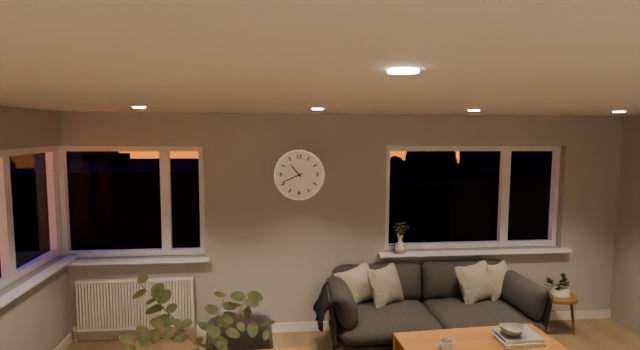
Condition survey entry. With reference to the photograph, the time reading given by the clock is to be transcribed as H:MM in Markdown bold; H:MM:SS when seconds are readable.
**10:41**
